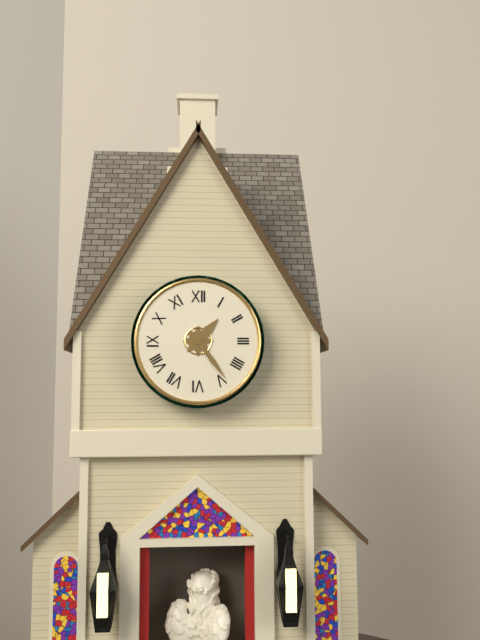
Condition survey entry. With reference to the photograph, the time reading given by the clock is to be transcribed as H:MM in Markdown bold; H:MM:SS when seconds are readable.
**1:24**
